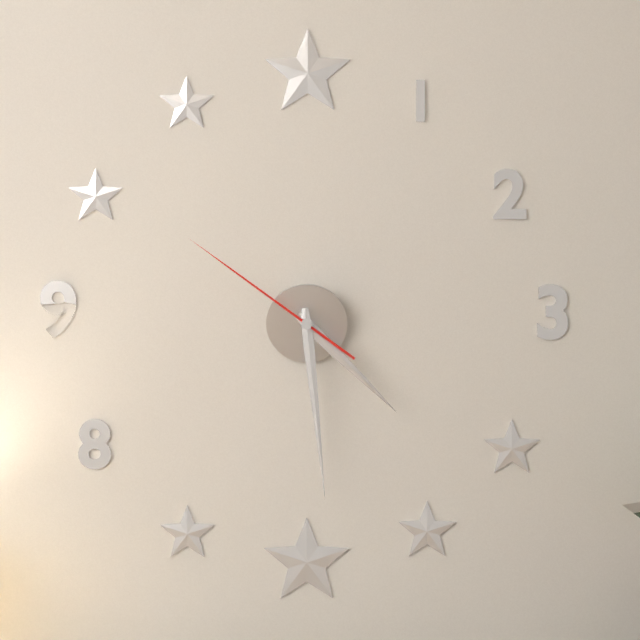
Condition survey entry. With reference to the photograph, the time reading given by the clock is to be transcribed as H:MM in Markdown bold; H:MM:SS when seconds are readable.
**4:29:51**
